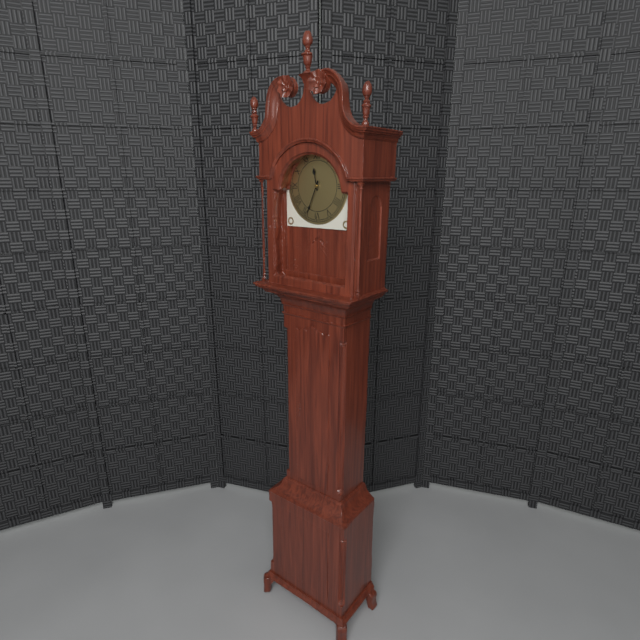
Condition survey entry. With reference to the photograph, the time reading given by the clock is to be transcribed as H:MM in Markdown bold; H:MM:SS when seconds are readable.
**11:34**
